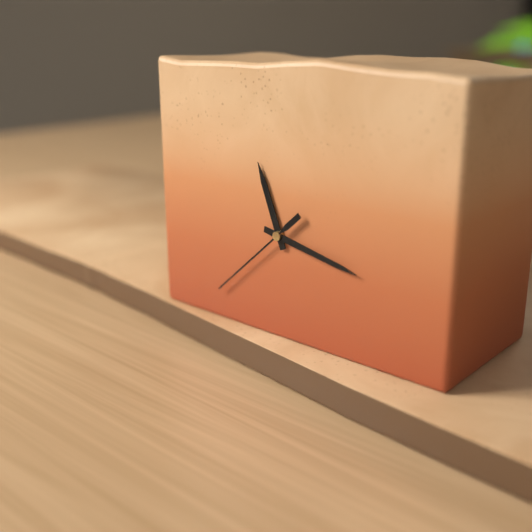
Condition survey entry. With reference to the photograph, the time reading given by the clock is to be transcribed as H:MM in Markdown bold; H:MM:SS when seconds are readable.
**11:17:38**
